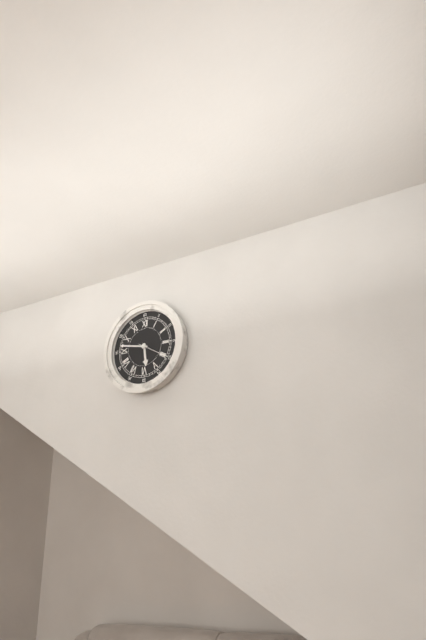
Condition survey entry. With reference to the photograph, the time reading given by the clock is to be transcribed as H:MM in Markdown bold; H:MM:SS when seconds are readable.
**5:47**
